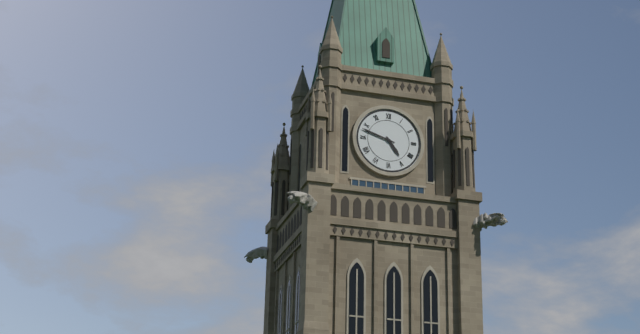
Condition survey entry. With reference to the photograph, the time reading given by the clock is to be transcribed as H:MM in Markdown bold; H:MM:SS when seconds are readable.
**4:48**
